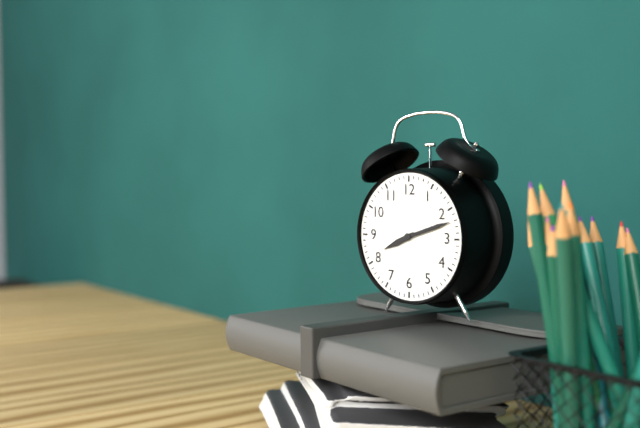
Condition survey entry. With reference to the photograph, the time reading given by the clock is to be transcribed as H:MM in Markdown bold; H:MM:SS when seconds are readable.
**8:12**
